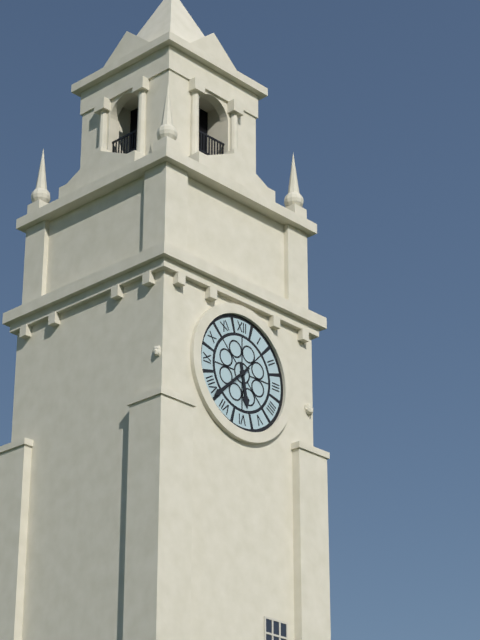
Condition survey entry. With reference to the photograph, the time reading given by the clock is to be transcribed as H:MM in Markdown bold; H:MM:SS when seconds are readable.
**5:38**
